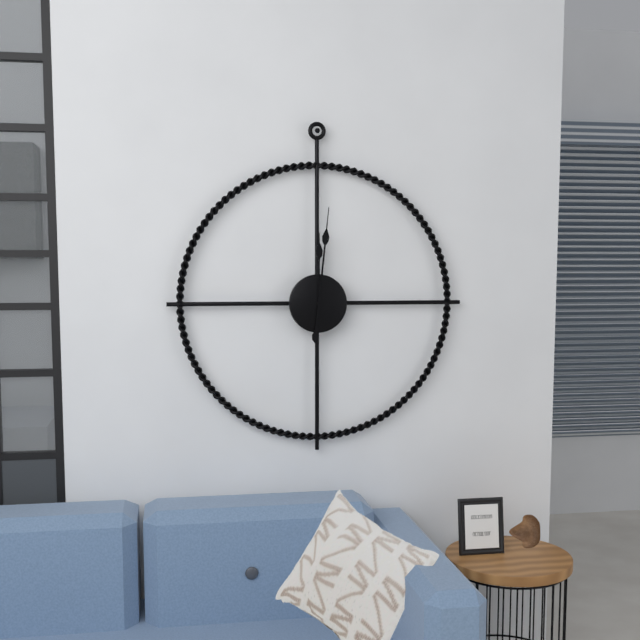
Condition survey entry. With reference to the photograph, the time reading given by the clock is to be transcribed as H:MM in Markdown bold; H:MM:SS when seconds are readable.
**12:01**
